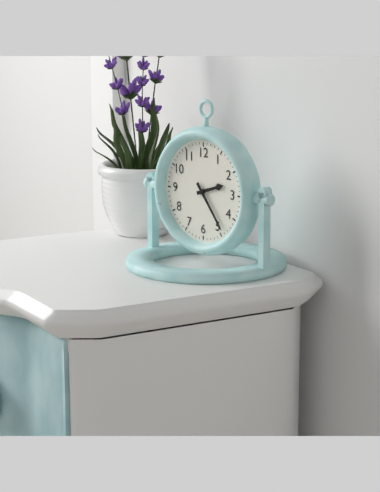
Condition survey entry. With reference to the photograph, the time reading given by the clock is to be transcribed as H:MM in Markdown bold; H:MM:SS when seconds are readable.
**2:24**
